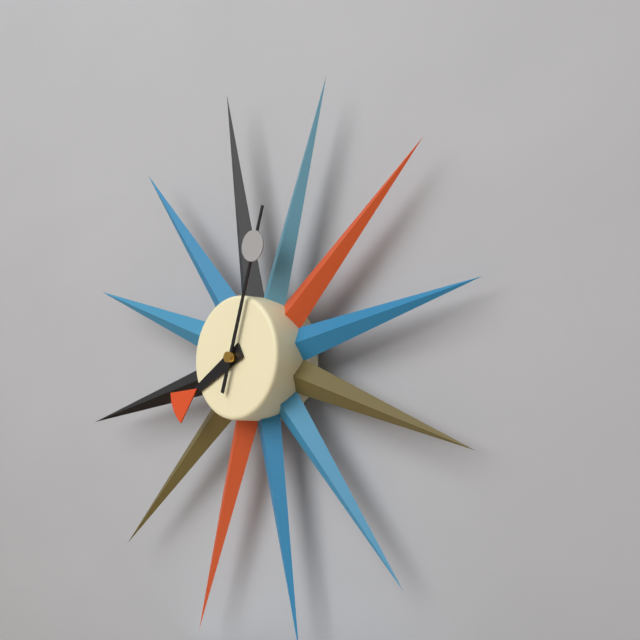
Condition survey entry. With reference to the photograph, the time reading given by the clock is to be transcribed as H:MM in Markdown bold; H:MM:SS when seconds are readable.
**8:03**
